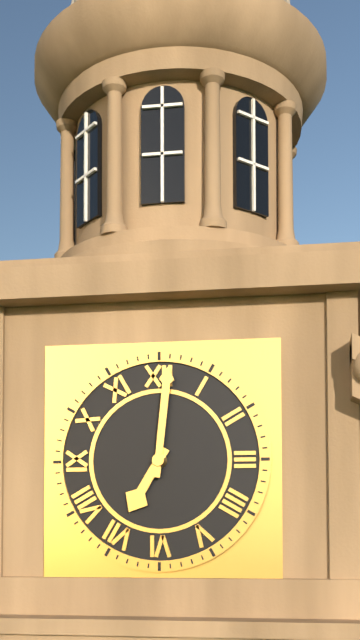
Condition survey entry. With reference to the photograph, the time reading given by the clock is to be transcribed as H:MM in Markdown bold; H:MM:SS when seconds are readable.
**7:01**
